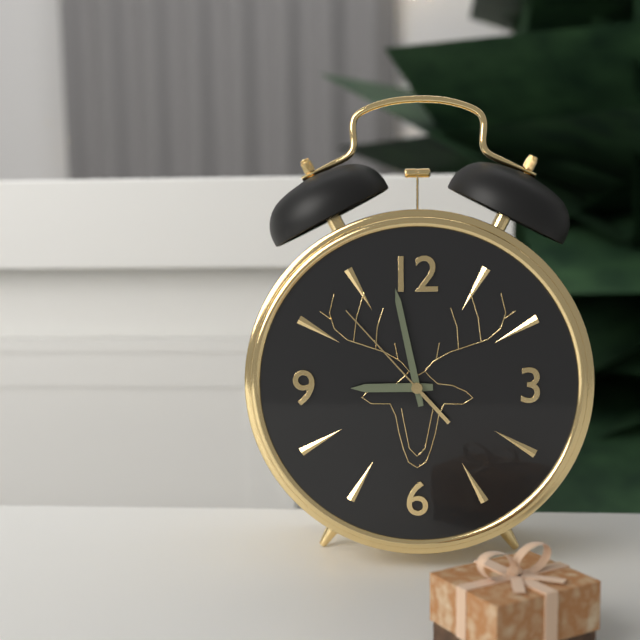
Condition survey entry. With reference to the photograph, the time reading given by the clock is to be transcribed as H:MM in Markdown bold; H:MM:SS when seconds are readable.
**8:58:53**
